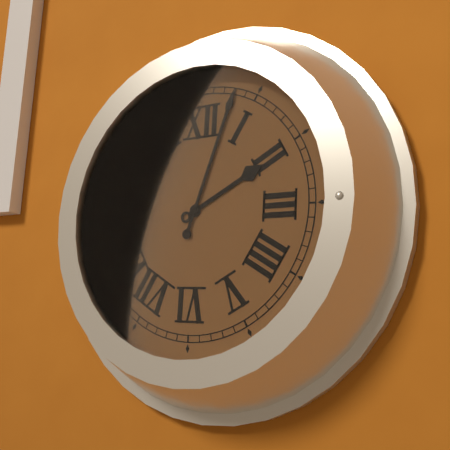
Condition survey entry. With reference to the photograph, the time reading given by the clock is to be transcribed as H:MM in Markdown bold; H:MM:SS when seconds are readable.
**2:03**
